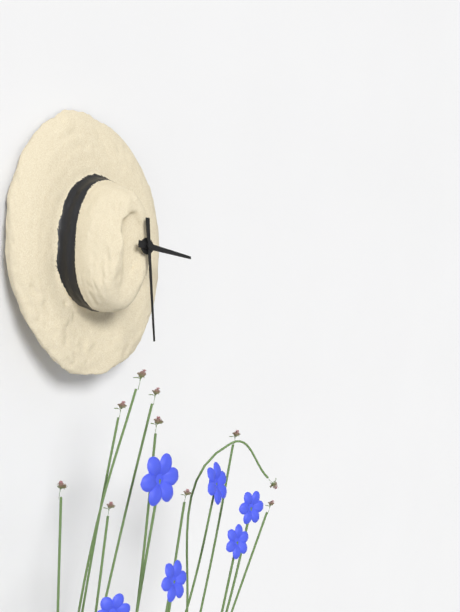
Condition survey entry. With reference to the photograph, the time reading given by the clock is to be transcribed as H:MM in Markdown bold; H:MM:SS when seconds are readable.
**3:31**
